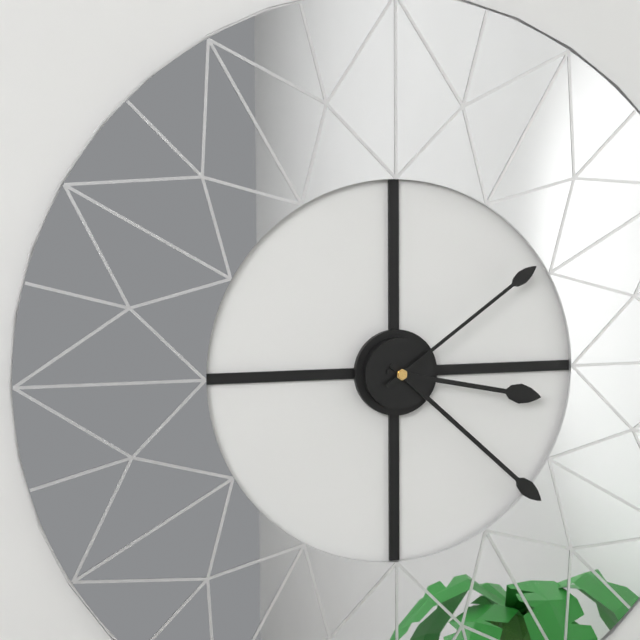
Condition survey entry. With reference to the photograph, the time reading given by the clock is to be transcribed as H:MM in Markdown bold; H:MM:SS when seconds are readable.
**3:22:09**
